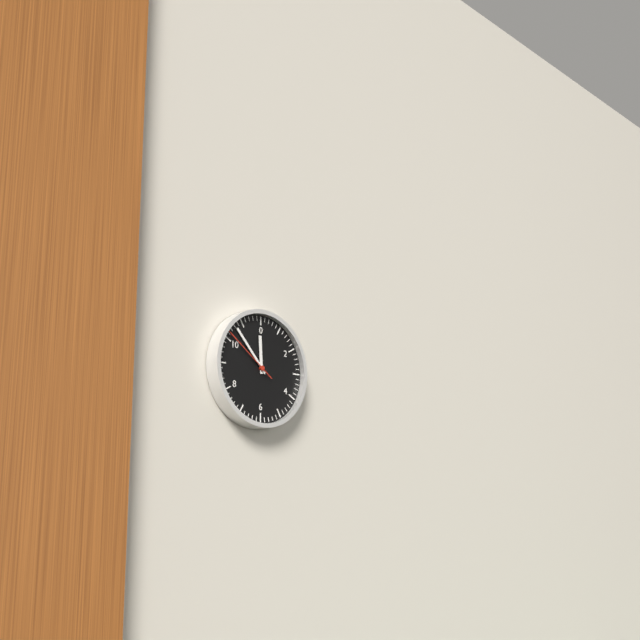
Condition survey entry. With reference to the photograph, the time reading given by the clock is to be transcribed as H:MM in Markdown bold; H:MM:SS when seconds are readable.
**11:53:51**
